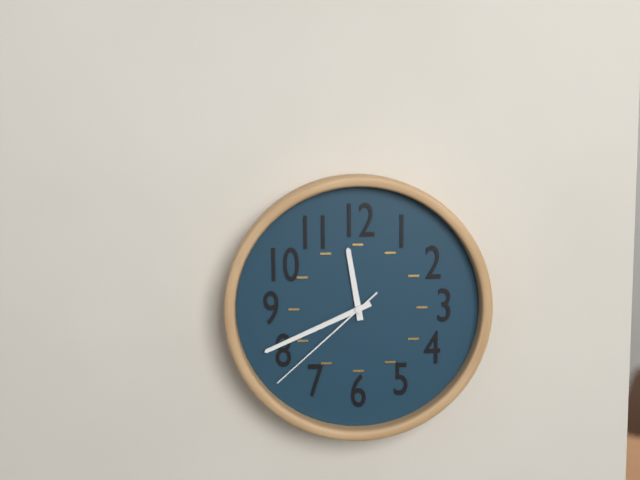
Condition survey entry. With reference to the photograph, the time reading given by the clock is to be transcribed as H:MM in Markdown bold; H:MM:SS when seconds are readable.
**11:41:38**
